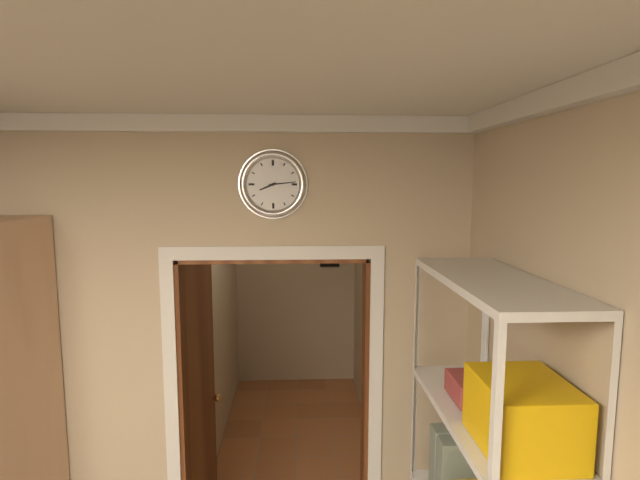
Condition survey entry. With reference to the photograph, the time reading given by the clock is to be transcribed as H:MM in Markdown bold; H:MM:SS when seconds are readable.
**8:14**
